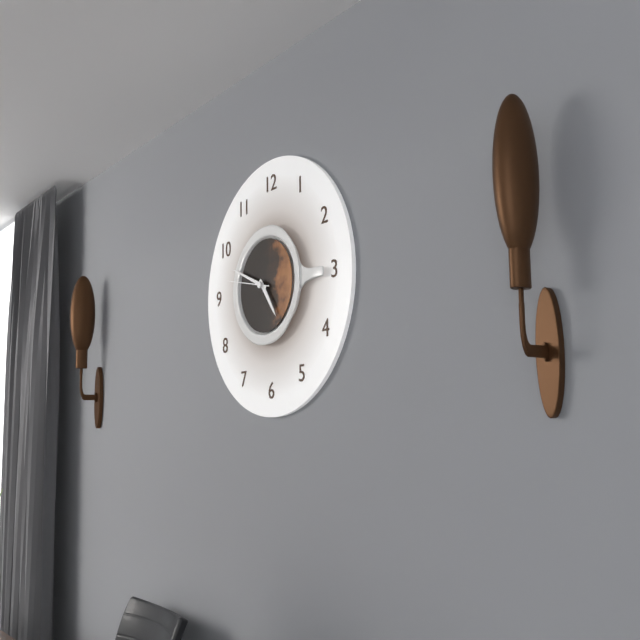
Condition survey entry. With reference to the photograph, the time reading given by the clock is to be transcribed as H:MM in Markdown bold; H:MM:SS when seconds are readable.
**4:49**
